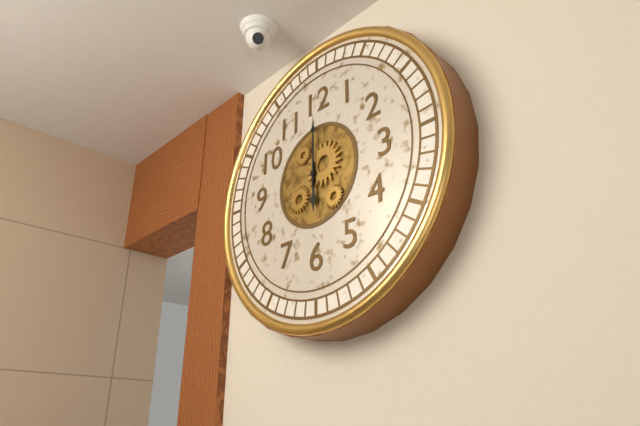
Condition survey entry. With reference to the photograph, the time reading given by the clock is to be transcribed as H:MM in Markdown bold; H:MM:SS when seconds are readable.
**6:00**
